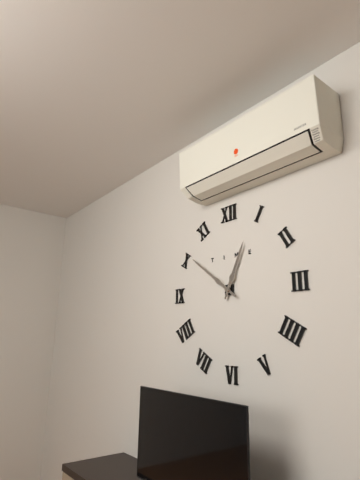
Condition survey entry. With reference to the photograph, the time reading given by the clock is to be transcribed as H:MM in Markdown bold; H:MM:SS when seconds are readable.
**12:51**
